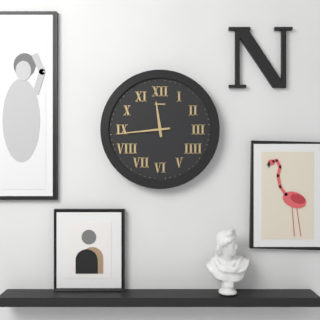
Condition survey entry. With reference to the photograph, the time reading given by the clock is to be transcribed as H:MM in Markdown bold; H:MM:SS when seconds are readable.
**11:44**
